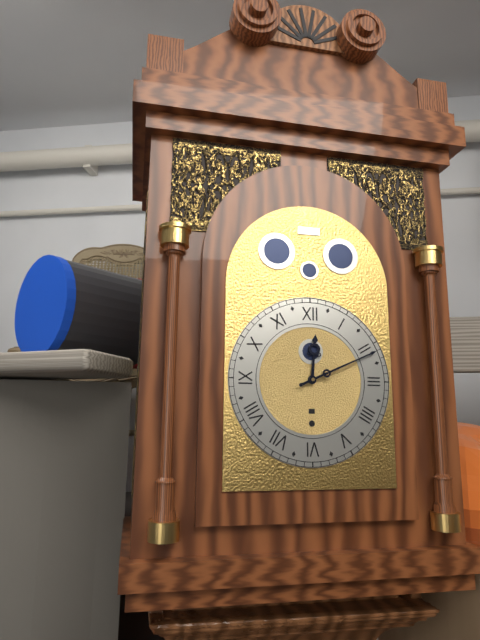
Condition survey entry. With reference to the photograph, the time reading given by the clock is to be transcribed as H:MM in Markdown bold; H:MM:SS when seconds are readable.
**12:11**
